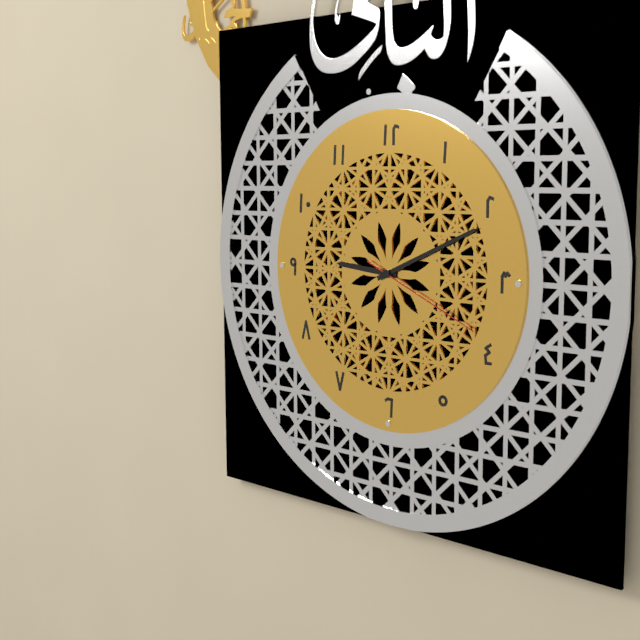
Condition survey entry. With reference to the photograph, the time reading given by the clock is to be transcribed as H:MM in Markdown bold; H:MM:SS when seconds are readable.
**9:11:19**
